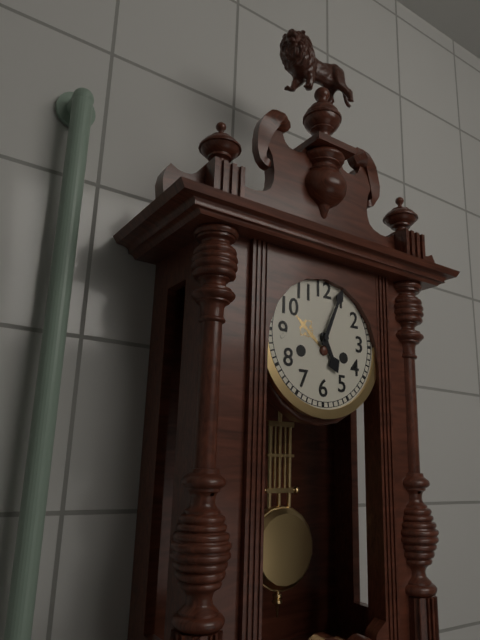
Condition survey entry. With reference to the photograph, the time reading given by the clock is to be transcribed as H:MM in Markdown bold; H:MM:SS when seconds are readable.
**5:04**
